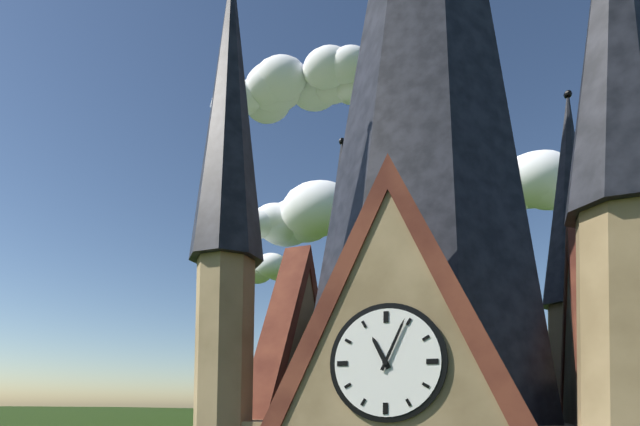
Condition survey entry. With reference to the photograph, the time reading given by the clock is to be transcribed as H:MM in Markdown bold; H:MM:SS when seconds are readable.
**11:04**
